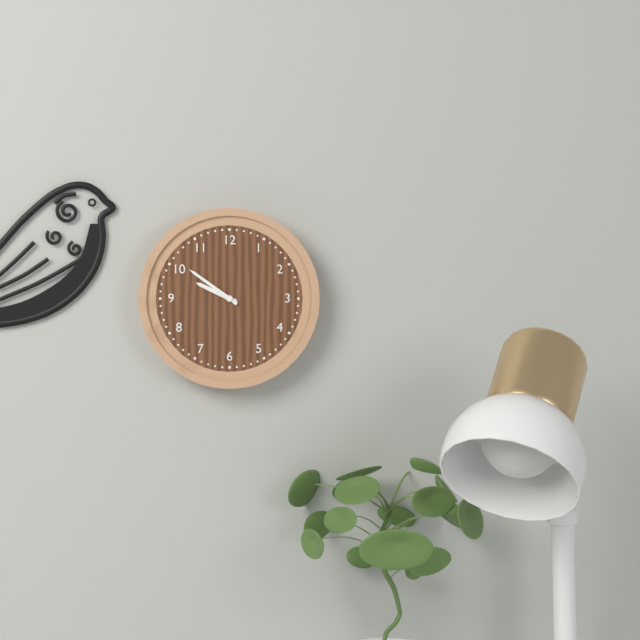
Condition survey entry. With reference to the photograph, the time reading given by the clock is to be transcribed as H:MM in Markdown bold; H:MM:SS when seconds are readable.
**9:51**
